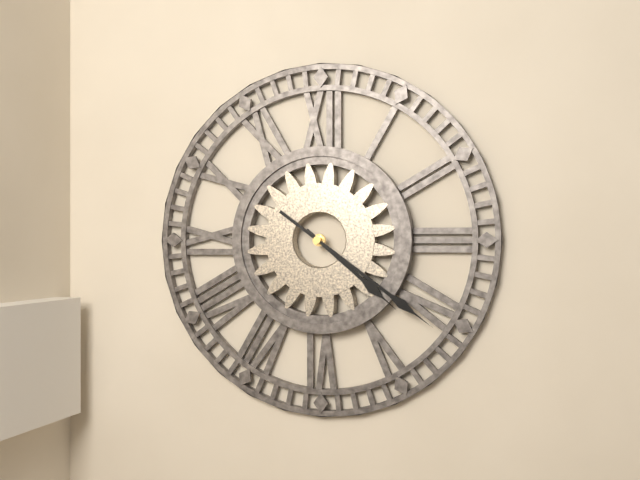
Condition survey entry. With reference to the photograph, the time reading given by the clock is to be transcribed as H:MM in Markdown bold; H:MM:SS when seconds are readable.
**4:21**
